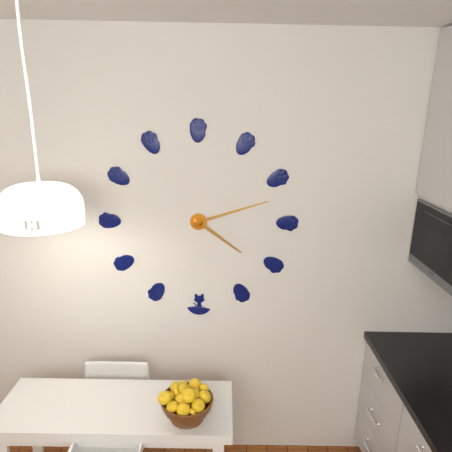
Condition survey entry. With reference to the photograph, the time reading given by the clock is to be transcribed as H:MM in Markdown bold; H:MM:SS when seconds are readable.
**4:12**
